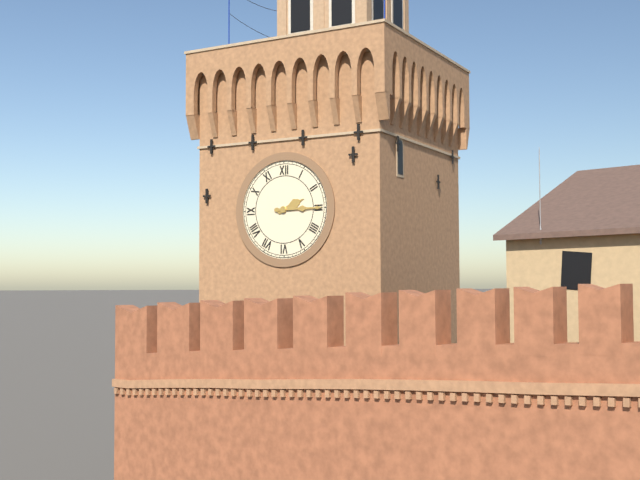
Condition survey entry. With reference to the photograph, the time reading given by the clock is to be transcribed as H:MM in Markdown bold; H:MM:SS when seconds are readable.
**2:15**
